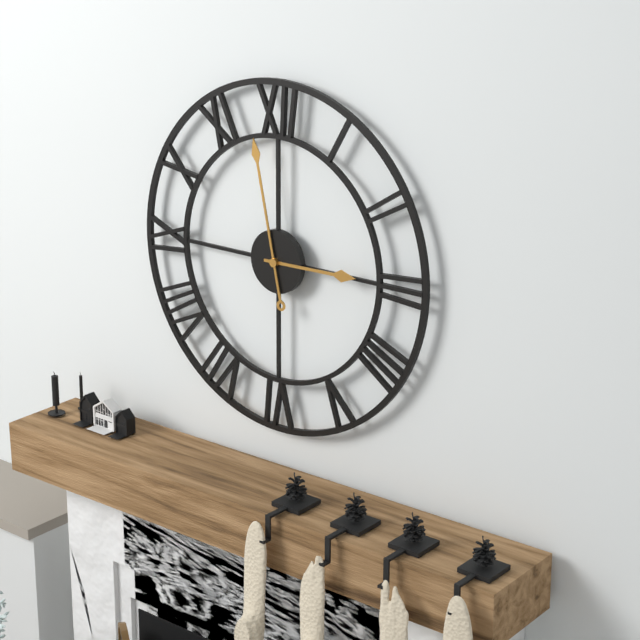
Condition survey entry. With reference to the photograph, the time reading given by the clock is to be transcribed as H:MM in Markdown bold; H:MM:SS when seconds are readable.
**2:58**
